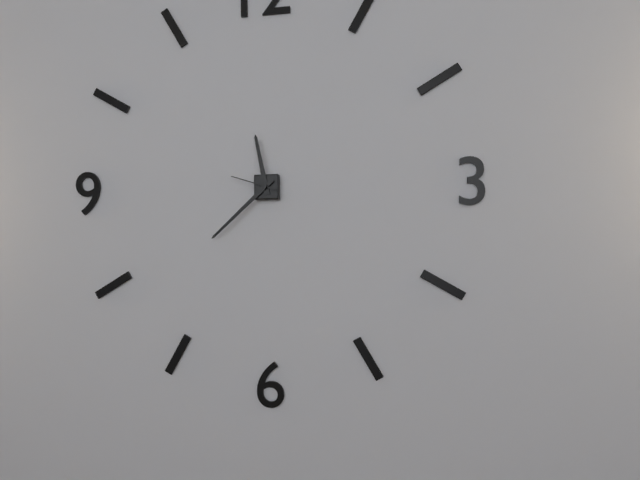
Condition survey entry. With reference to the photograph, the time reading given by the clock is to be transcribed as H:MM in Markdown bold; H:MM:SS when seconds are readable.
**11:38**
